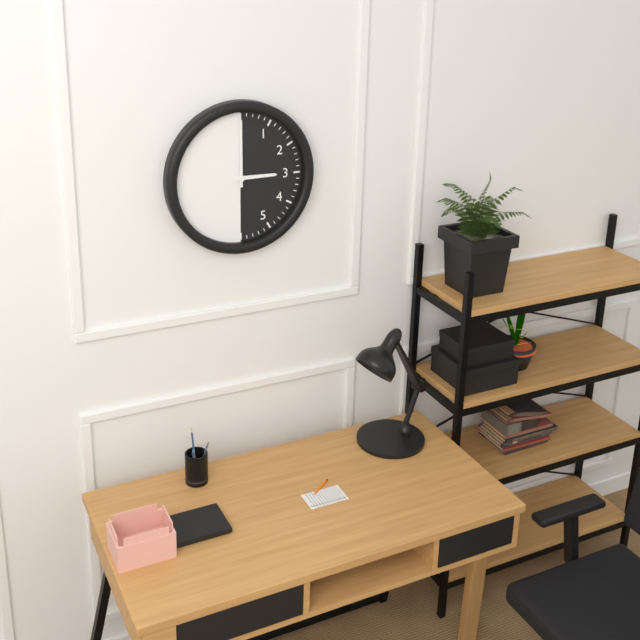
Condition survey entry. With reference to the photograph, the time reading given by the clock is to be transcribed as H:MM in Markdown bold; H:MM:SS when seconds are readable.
**3:00**
